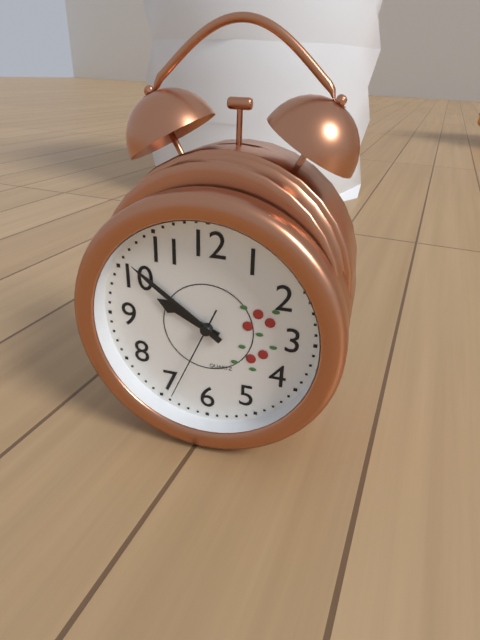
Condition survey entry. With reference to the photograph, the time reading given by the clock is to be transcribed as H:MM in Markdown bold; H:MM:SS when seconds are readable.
**9:51:34**
